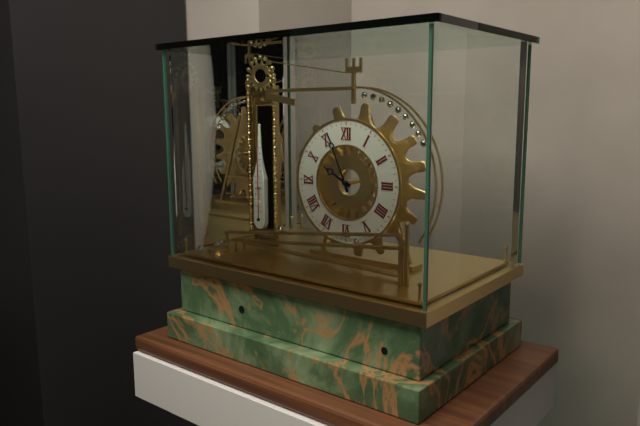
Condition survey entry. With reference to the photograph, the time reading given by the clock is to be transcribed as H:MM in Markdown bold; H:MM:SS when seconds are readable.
**9:56**
